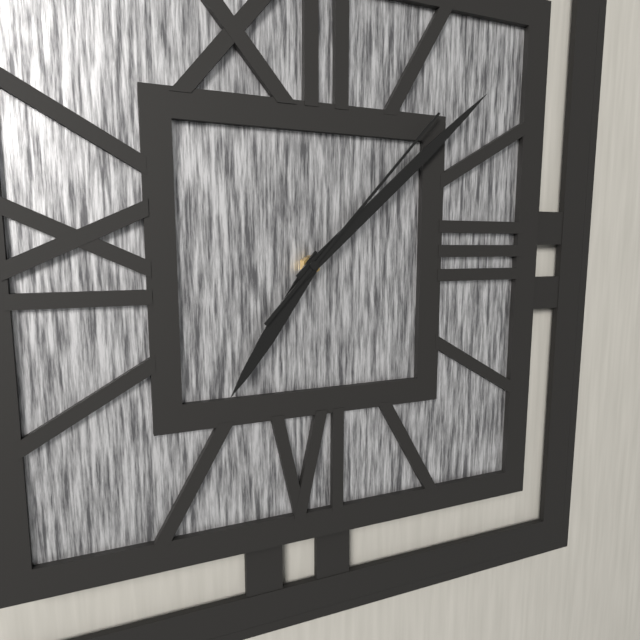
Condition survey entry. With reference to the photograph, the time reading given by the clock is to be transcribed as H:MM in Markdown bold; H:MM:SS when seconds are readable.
**7:08:07**
